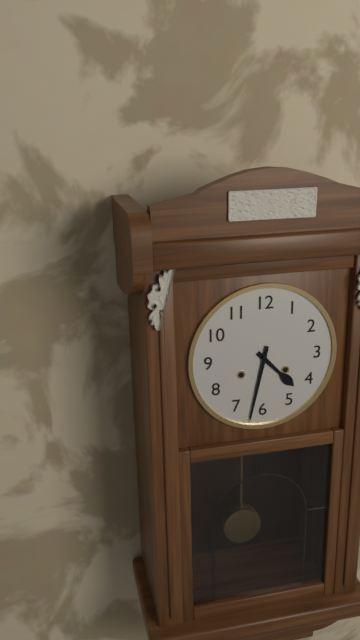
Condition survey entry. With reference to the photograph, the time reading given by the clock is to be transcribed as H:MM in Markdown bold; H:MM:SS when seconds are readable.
**4:32**
